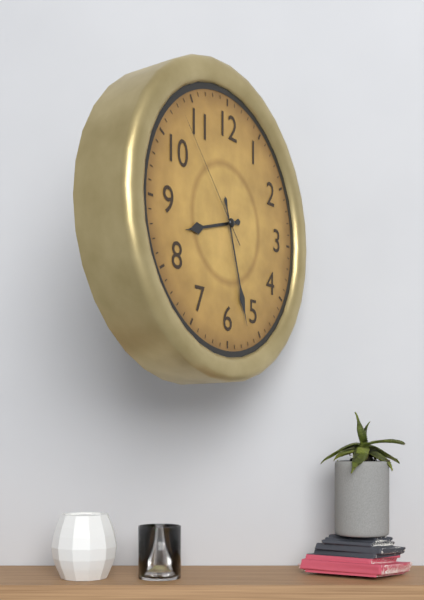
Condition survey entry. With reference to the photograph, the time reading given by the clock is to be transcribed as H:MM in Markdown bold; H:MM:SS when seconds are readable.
**8:27:53**
